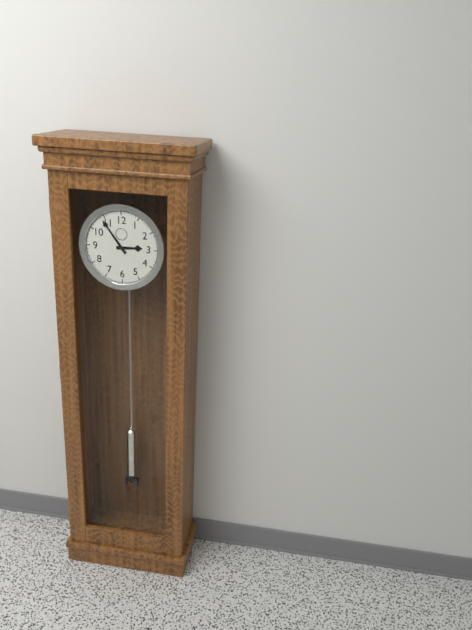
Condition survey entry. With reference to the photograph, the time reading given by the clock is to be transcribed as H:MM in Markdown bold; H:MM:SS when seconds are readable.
**2:54**
